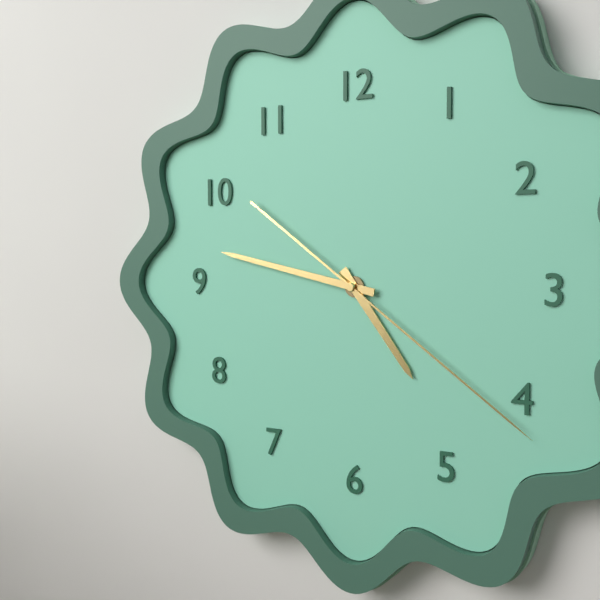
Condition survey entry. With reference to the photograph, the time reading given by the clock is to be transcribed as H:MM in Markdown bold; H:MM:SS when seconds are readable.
**4:47:21**
